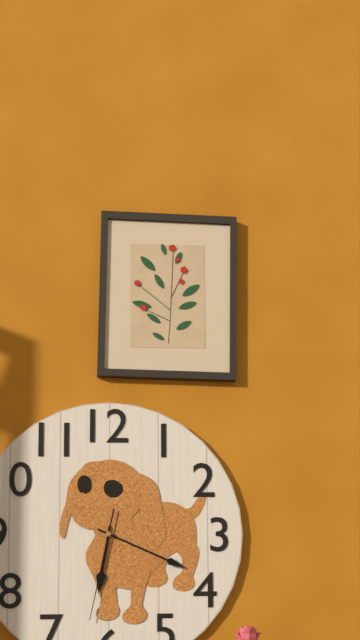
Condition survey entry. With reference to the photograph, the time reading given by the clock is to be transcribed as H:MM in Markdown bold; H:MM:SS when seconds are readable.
**6:19:32**
